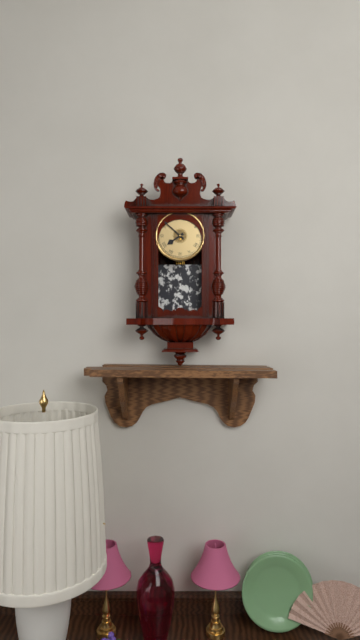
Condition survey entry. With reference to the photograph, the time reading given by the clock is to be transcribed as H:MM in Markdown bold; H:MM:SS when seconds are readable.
**7:52**
